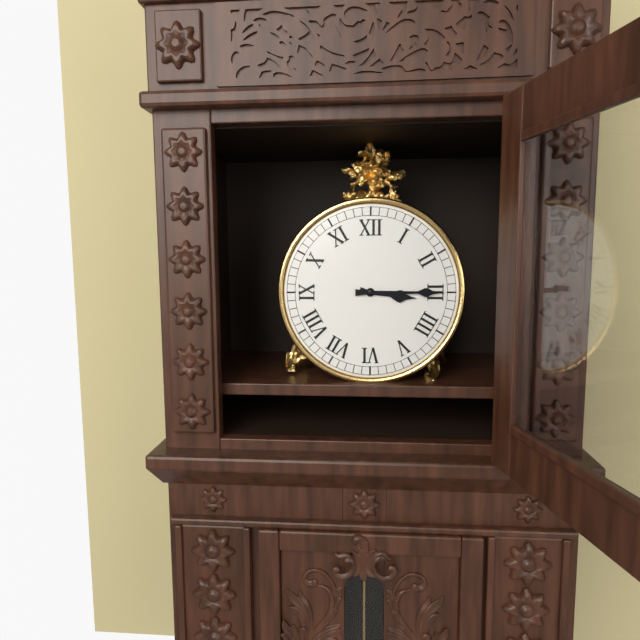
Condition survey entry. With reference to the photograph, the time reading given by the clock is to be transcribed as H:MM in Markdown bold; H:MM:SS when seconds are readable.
**3:15**
